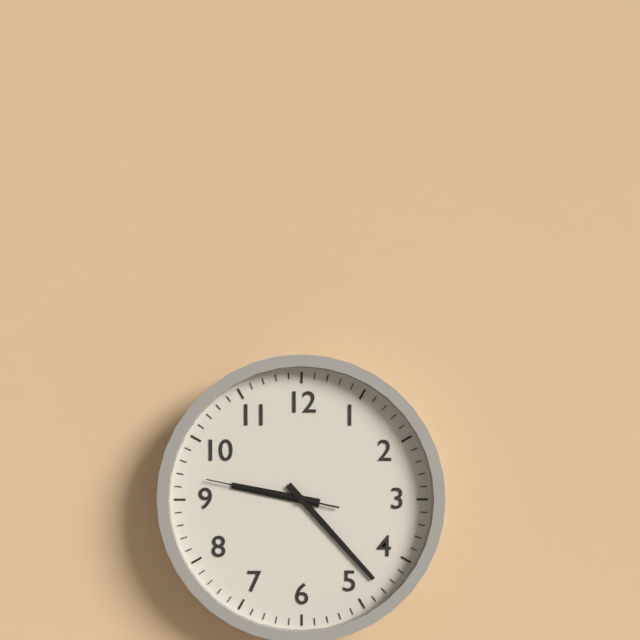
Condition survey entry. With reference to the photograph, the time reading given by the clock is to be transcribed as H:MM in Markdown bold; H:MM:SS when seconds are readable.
**9:23:47**
